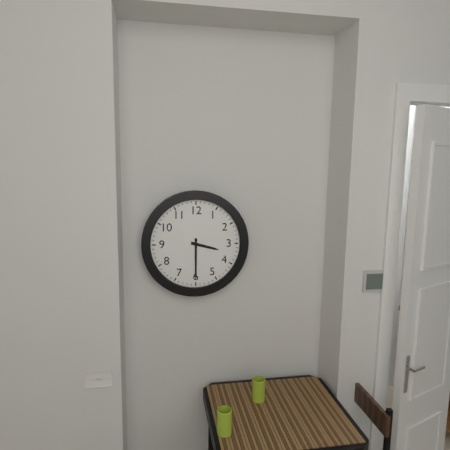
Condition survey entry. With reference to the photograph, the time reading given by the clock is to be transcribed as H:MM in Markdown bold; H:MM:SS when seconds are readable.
**3:30**
